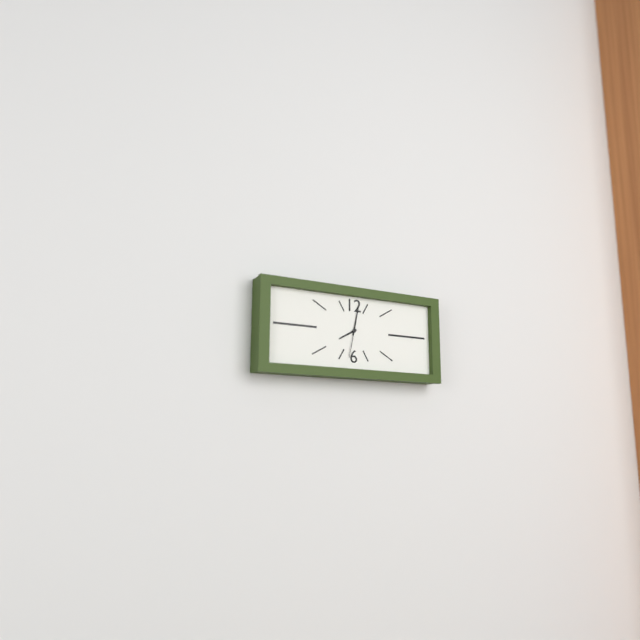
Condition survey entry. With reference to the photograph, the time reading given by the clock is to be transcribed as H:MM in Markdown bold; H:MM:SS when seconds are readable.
**8:02**
